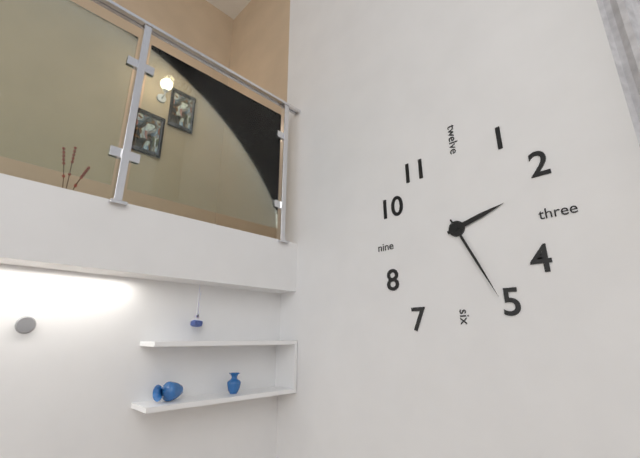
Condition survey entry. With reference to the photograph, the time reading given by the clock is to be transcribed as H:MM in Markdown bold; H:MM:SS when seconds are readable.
**2:26**
